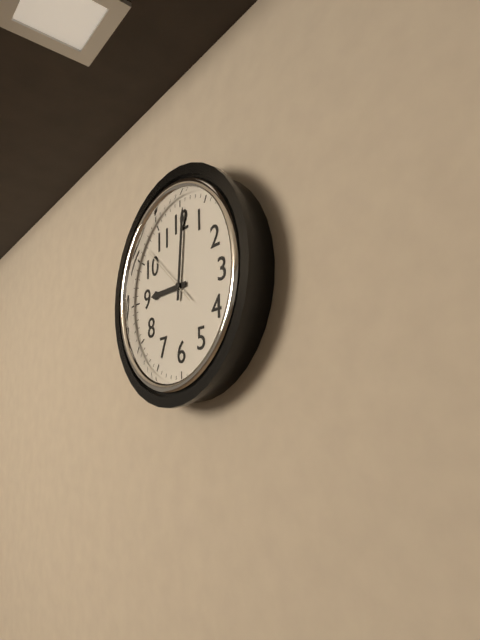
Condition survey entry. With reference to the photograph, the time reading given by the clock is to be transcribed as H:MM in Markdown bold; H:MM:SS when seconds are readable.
**9:01:52**
